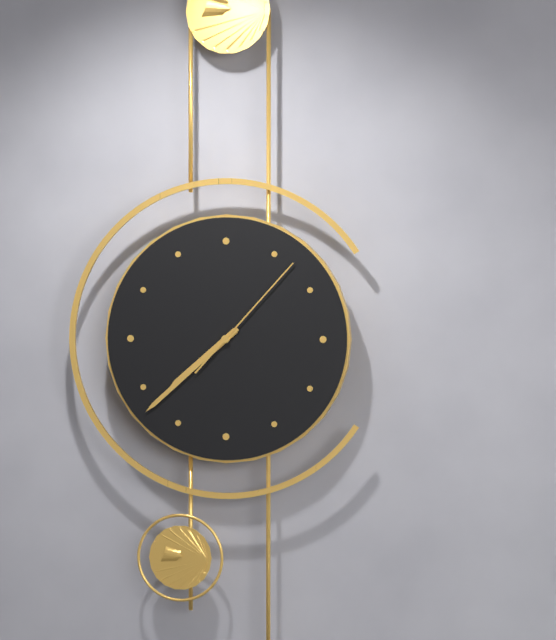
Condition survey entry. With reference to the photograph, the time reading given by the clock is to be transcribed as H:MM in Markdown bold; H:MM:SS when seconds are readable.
**7:38:07**
